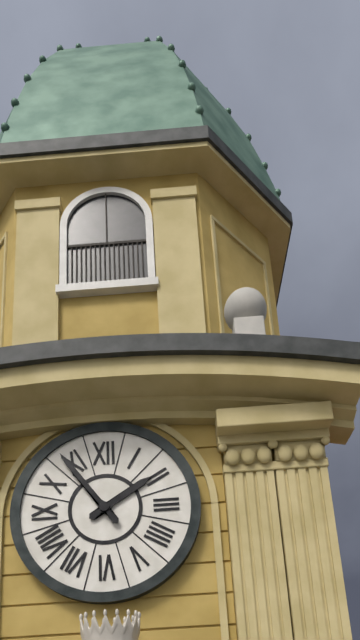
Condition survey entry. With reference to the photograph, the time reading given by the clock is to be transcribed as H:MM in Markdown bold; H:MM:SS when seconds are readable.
**1:54**
